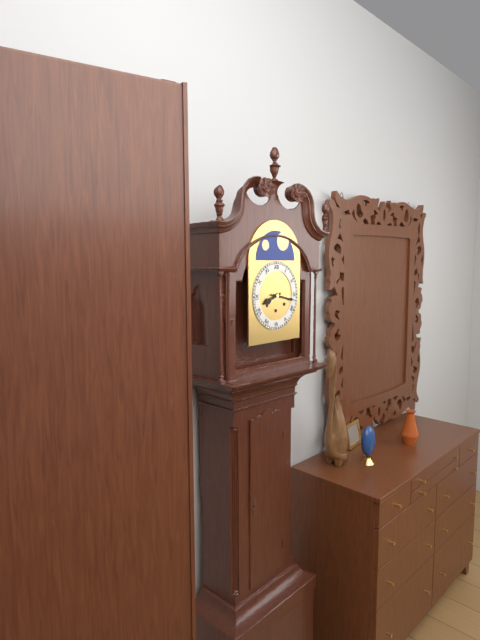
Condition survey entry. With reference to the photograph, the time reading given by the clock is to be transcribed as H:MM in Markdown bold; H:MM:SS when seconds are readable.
**8:17**
